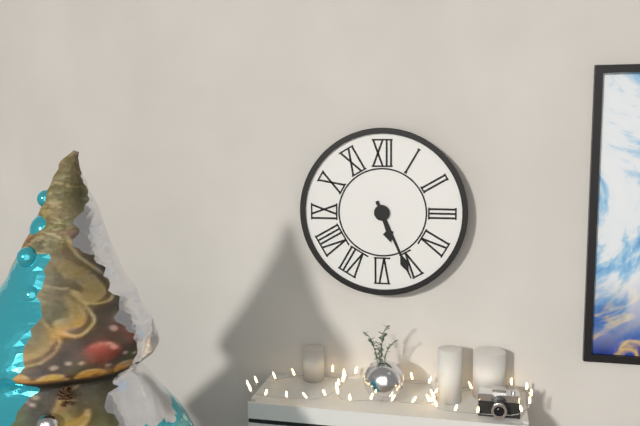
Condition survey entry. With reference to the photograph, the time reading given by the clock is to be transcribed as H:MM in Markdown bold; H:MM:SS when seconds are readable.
**5:26**
